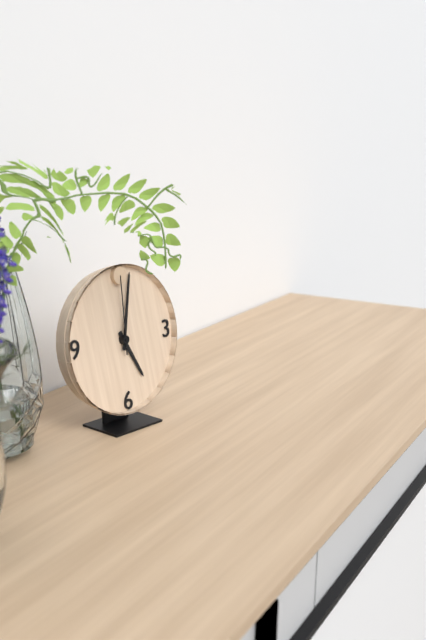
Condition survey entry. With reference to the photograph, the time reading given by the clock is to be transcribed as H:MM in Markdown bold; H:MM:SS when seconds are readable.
**5:02:00**
